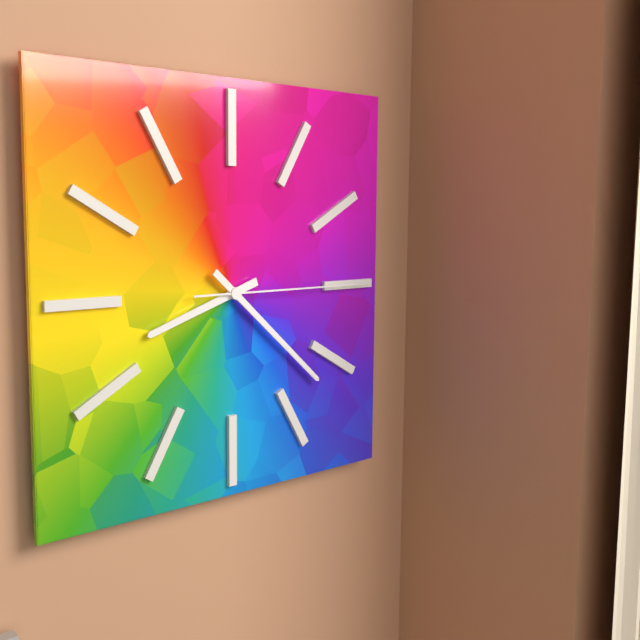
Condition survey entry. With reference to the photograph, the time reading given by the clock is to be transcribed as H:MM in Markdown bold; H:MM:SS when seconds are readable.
**8:22:15**
